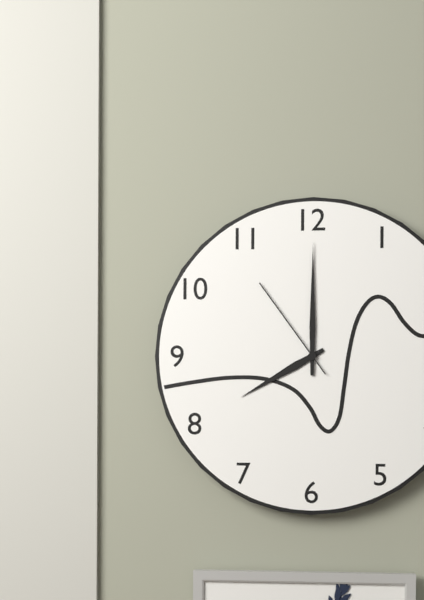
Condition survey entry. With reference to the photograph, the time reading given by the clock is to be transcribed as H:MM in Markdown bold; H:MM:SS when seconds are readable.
**8:00:54**
